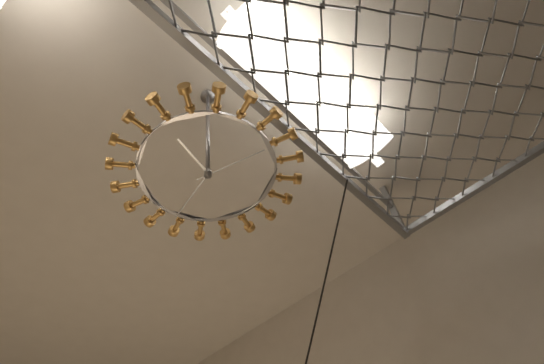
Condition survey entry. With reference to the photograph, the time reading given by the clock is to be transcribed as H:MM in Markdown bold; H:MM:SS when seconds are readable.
**9:28:03**
